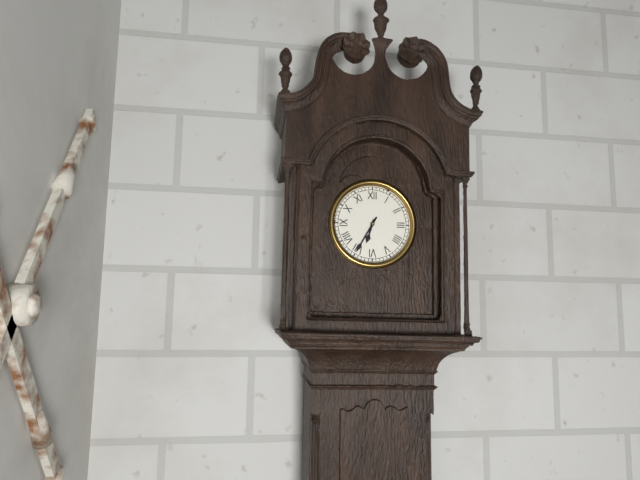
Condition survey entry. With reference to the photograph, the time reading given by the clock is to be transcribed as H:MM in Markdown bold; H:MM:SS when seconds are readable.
**6:35**
